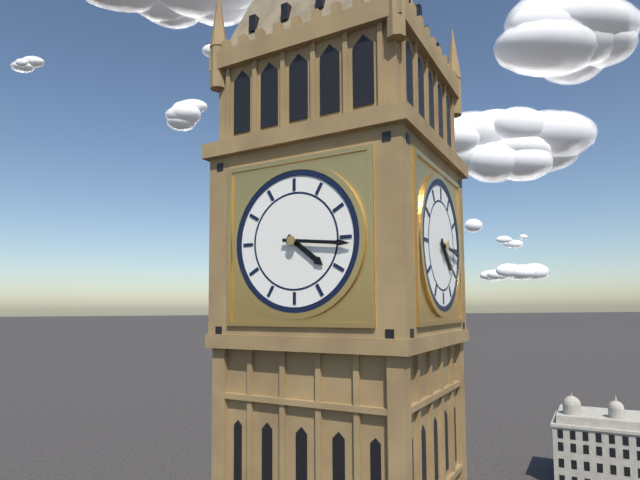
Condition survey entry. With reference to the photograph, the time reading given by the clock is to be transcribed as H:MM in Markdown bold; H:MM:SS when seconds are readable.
**4:16**
